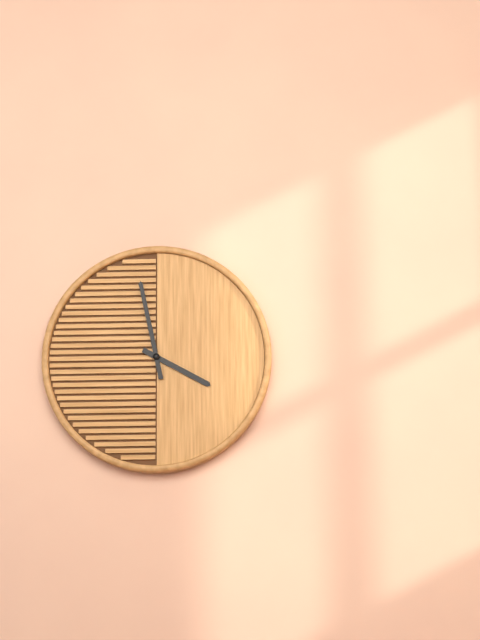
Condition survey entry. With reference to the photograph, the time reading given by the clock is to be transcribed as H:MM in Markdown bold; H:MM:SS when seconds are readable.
**3:58**
